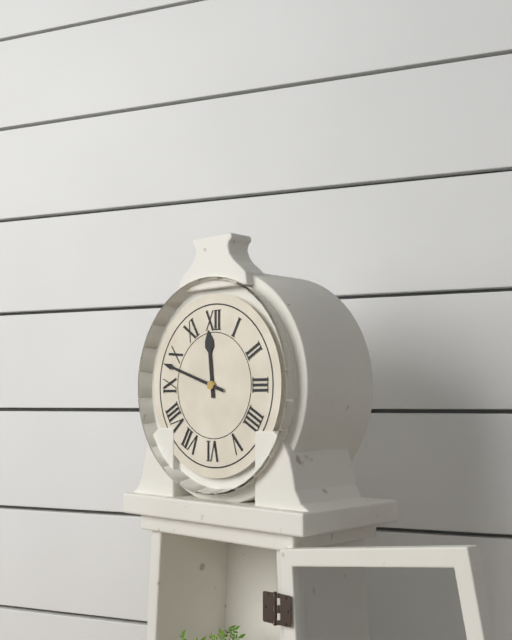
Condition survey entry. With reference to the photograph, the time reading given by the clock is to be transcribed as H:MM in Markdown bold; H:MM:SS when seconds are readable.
**11:48**
